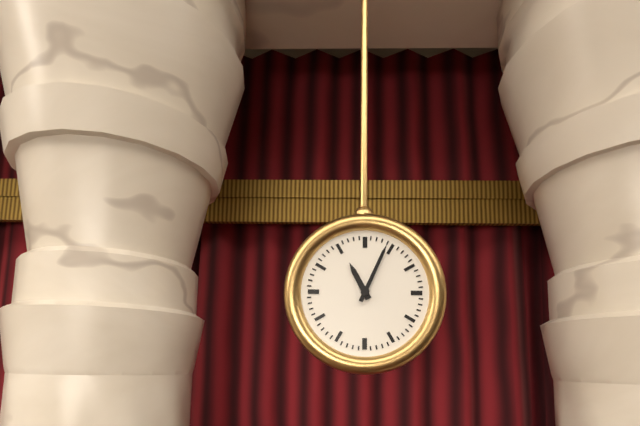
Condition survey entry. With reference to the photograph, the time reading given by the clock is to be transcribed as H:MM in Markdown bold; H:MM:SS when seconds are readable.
**11:04**
